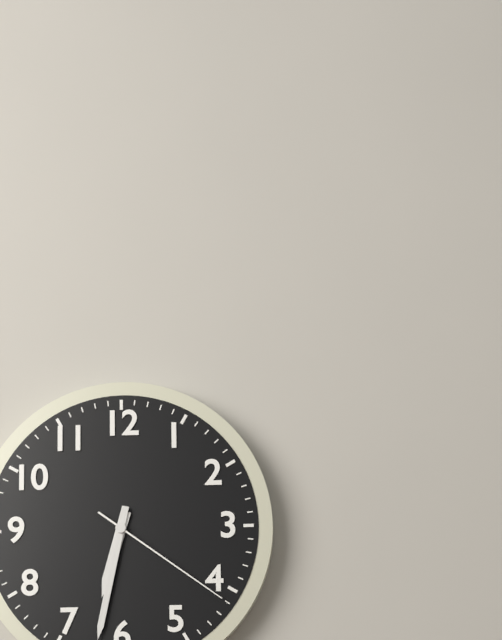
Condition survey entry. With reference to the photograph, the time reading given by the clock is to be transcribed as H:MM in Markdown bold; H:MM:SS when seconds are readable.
**6:32:21**
